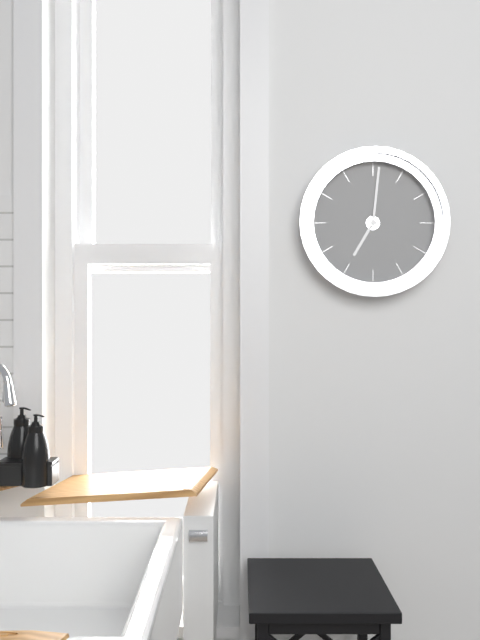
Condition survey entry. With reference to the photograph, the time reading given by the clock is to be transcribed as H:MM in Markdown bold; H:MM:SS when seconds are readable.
**7:01**
